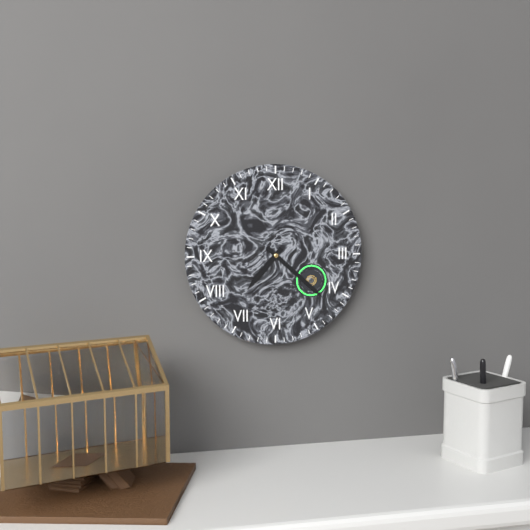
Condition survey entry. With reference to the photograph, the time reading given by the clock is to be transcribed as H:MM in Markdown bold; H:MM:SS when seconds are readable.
**7:22**
